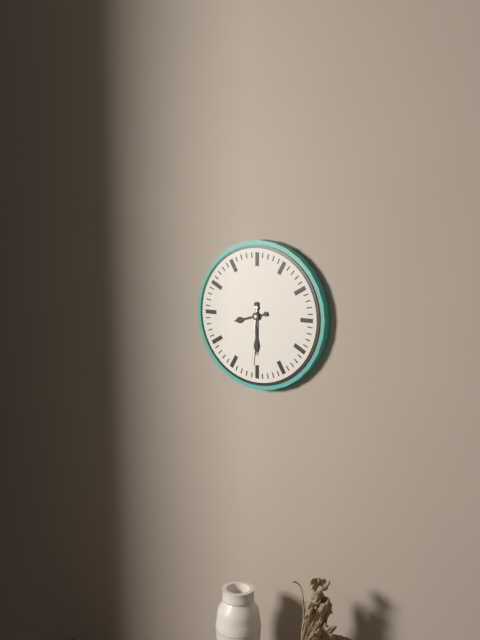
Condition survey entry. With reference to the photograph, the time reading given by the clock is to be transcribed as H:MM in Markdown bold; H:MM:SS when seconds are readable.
**8:30:31**
